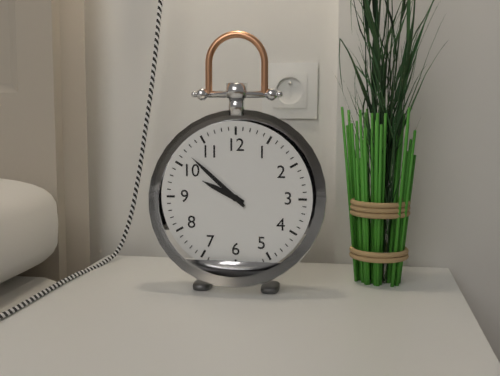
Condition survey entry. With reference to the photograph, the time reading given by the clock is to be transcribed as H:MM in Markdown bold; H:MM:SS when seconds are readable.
**9:52**
